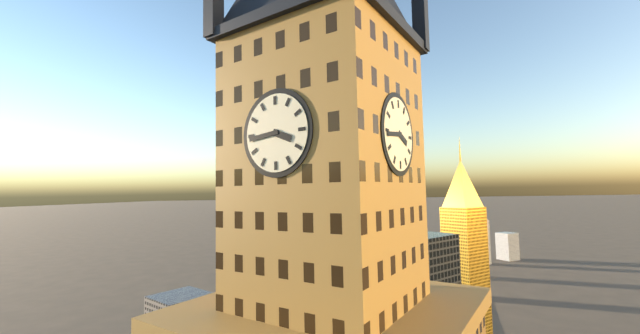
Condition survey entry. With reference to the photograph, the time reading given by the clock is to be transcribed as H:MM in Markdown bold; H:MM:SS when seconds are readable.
**3:44**
